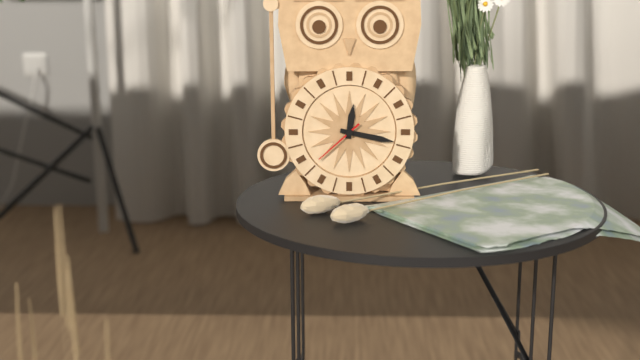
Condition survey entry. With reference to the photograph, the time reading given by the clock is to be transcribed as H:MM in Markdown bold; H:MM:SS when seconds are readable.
**12:17:38**
